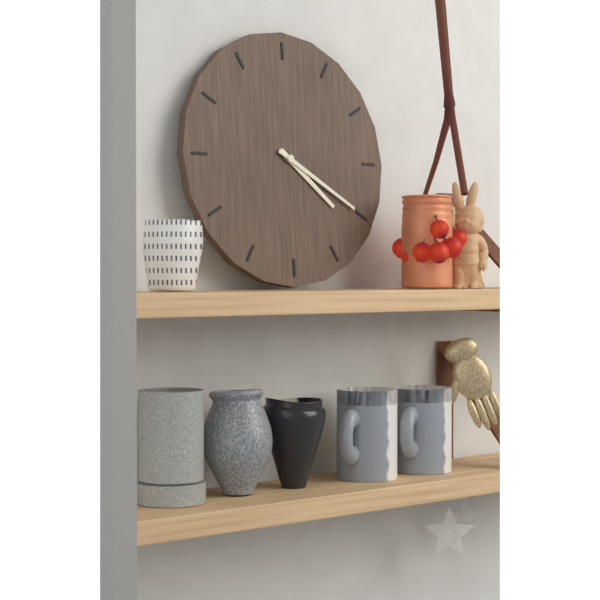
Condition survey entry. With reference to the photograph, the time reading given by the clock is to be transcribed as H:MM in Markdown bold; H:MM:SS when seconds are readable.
**4:20**
